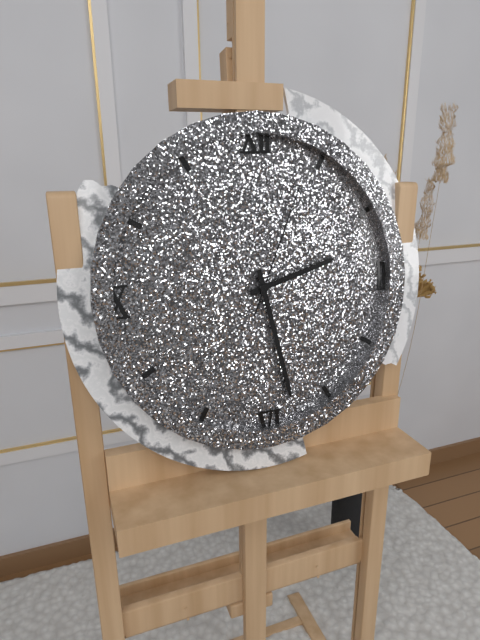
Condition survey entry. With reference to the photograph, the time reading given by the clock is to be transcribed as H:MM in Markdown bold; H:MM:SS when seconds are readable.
**2:28:04**
